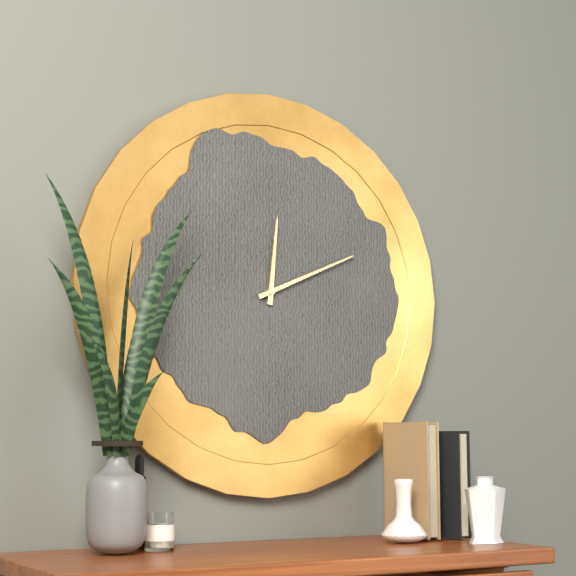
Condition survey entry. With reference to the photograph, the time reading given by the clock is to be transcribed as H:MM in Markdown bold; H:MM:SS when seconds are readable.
**12:11**
